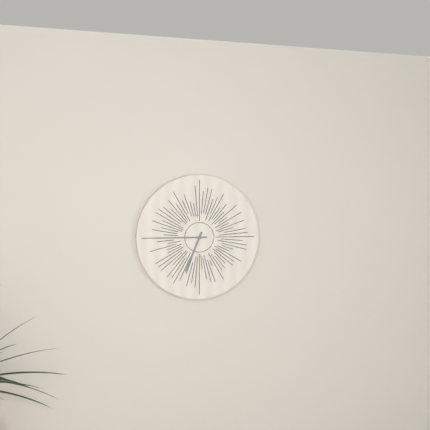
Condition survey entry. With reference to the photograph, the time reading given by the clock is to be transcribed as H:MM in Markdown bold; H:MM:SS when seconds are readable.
**6:45**
